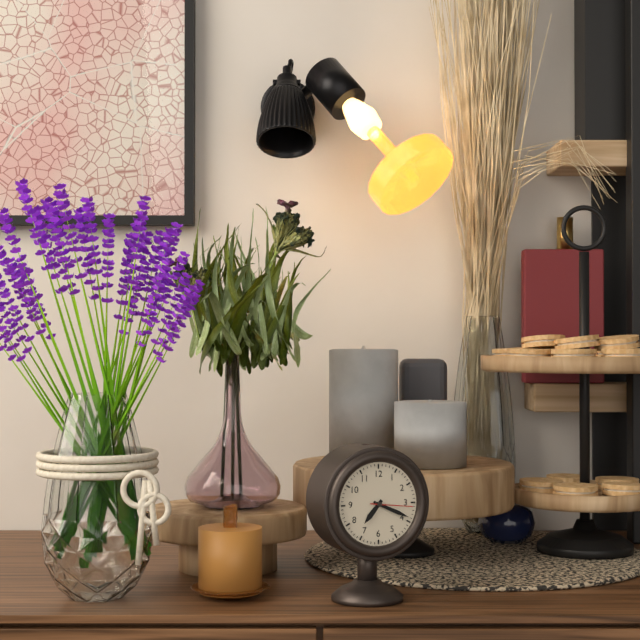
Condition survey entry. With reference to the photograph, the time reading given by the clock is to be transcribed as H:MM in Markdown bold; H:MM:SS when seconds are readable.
**7:19**
